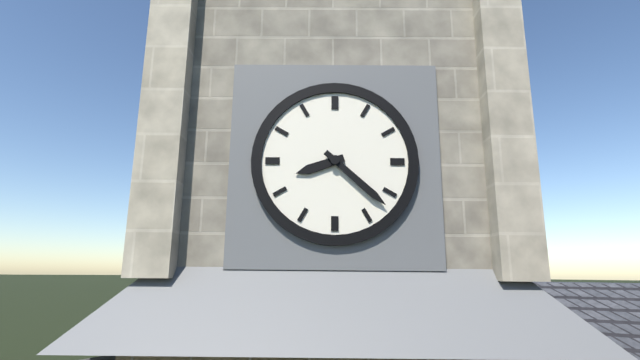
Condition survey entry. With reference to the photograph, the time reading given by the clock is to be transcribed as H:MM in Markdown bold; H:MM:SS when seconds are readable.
**8:22**
